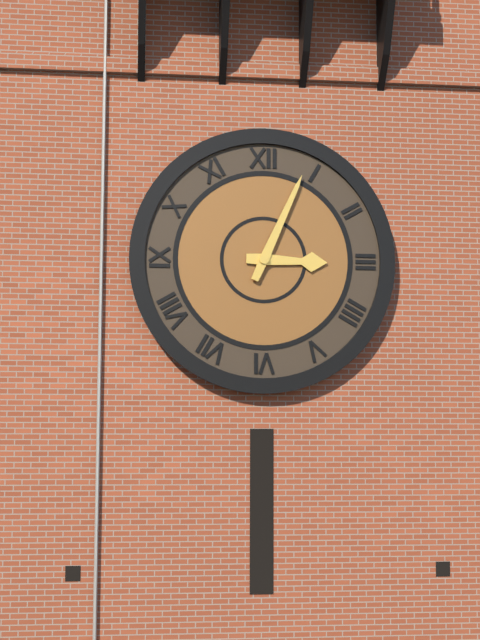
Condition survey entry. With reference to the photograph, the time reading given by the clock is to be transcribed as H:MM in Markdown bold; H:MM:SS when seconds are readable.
**3:04**
